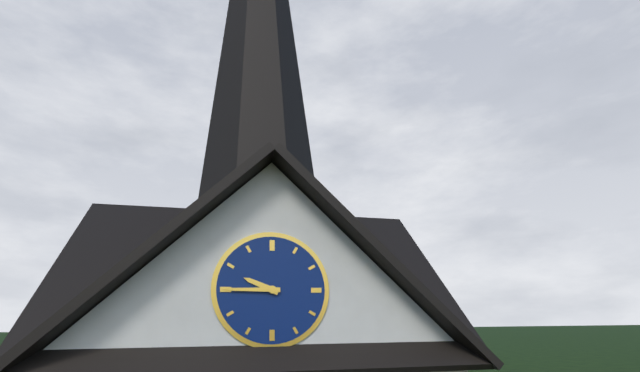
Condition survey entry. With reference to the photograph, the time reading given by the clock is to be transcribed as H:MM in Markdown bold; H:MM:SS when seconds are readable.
**9:45**
